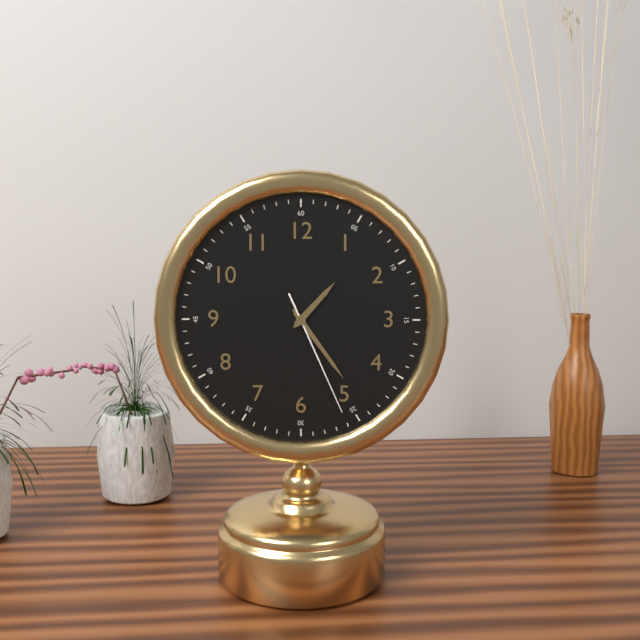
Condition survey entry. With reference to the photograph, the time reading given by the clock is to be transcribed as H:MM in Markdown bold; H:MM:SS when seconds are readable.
**1:24:26**
